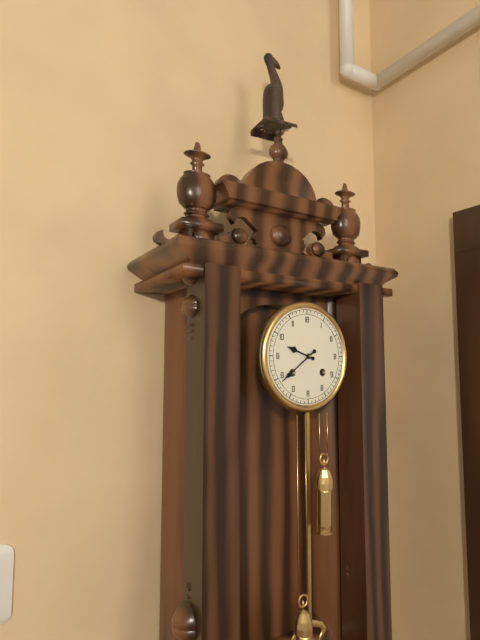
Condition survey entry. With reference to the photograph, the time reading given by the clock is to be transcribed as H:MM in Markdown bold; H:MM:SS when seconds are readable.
**9:39**
